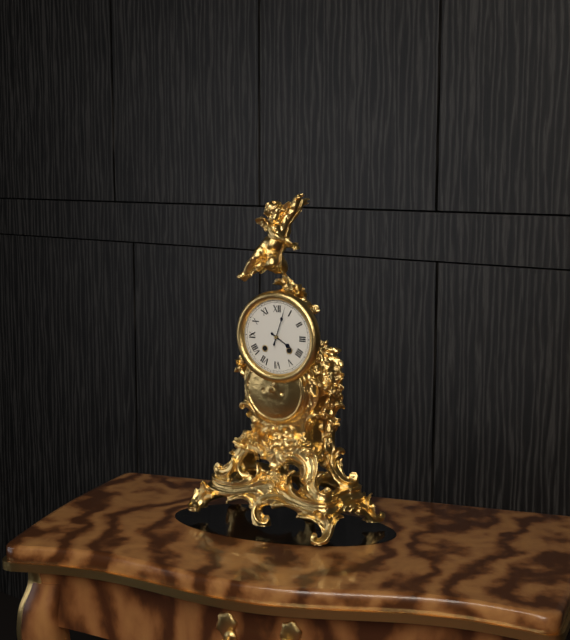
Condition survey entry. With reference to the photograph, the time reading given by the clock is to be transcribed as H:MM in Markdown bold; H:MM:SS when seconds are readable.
**4:03**
